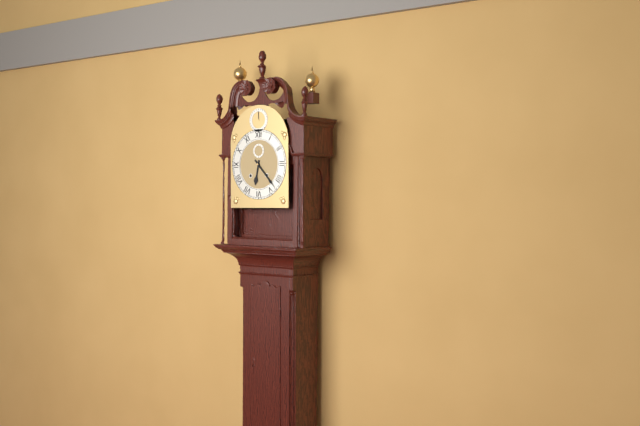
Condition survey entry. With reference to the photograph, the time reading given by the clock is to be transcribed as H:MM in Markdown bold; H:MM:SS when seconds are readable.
**6:23**
